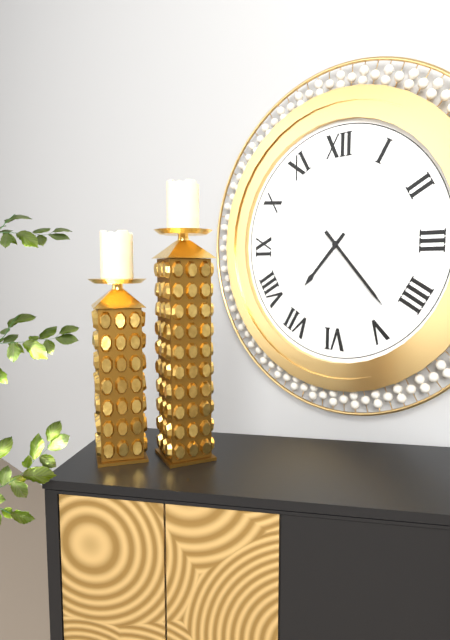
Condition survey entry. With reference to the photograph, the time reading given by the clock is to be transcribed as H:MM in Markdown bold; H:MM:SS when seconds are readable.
**7:23**
